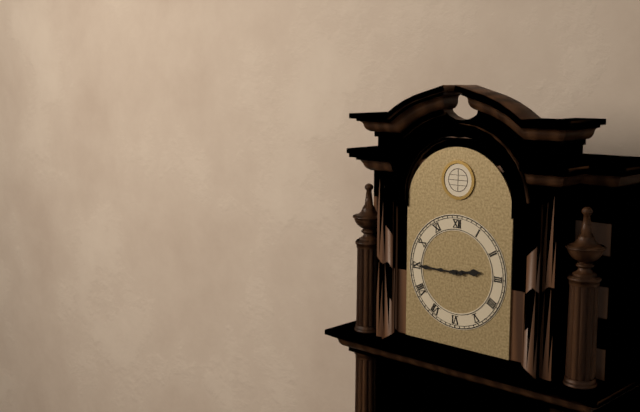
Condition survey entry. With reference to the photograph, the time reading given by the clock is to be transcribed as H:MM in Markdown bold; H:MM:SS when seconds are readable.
**2:45**
